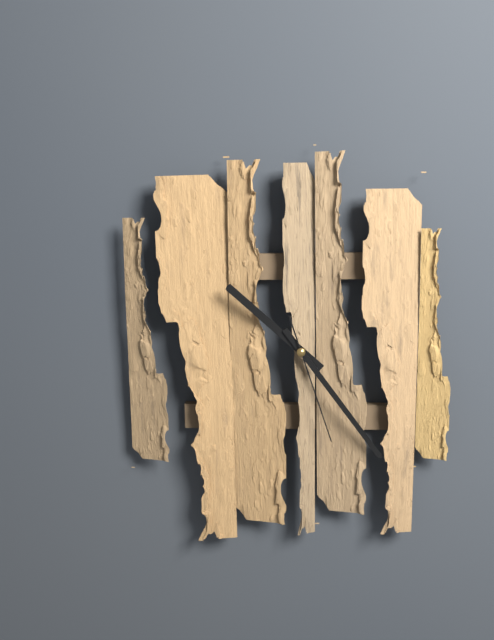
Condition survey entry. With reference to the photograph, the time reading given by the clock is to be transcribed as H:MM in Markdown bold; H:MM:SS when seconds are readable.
**10:24:27**
